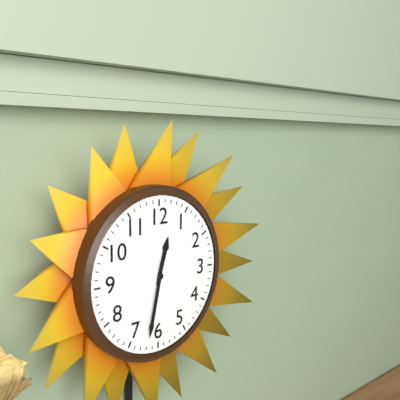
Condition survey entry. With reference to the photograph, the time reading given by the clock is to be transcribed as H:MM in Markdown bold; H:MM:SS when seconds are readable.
**12:32**
